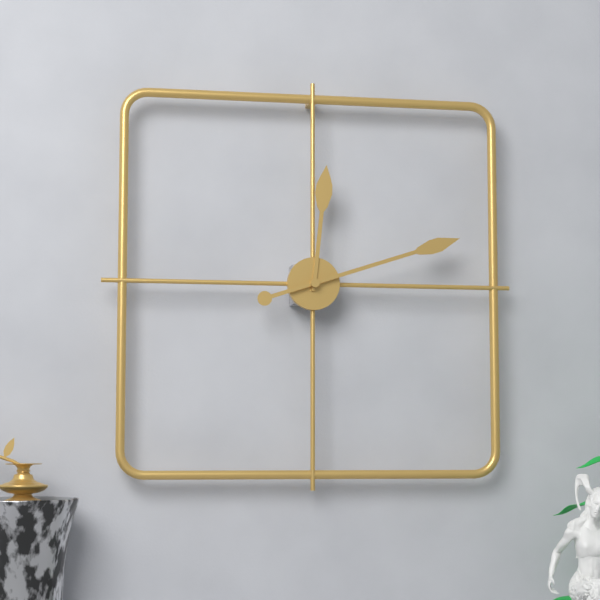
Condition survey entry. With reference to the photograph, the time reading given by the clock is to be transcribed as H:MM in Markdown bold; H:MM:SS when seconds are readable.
**12:12**
